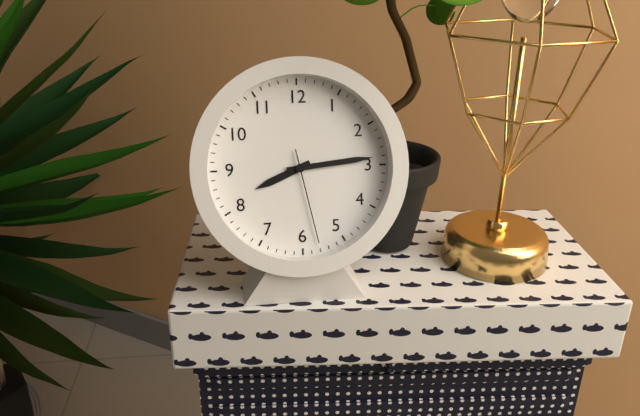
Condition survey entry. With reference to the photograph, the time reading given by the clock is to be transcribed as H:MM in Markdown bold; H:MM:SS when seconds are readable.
**8:14:28**
